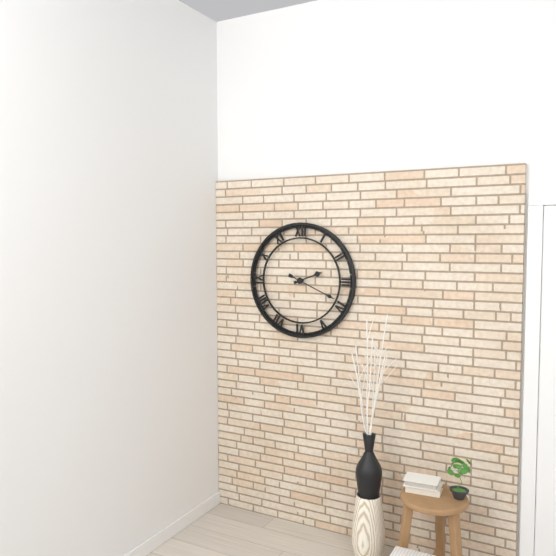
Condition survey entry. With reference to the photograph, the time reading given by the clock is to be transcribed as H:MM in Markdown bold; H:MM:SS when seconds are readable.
**2:19**
